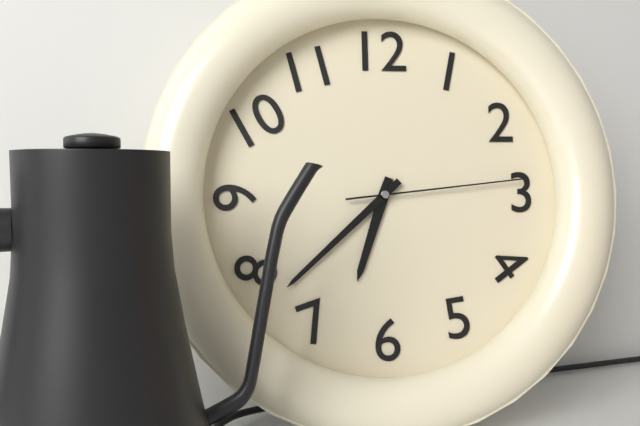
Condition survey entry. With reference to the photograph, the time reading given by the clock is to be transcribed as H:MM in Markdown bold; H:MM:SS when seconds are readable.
**6:38:14**
